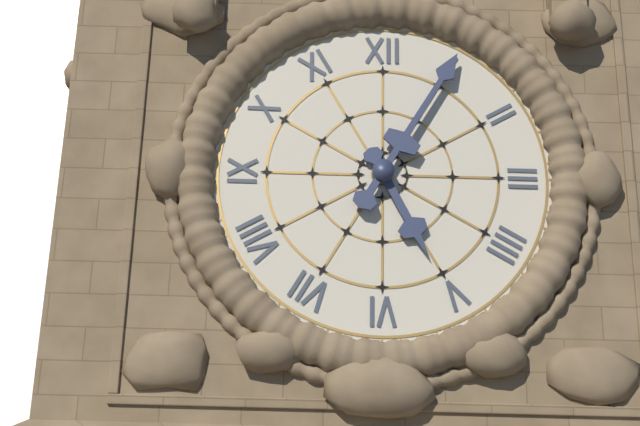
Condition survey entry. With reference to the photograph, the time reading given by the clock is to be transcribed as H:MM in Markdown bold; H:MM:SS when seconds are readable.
**5:05**
